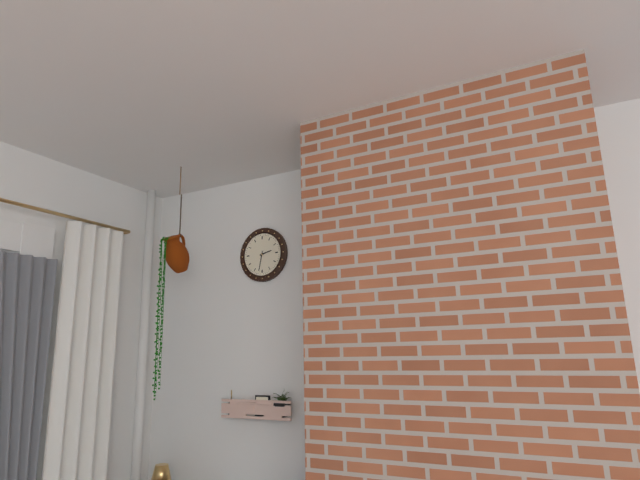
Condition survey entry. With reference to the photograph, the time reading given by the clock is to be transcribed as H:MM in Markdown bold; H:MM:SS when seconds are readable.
**2:32**
